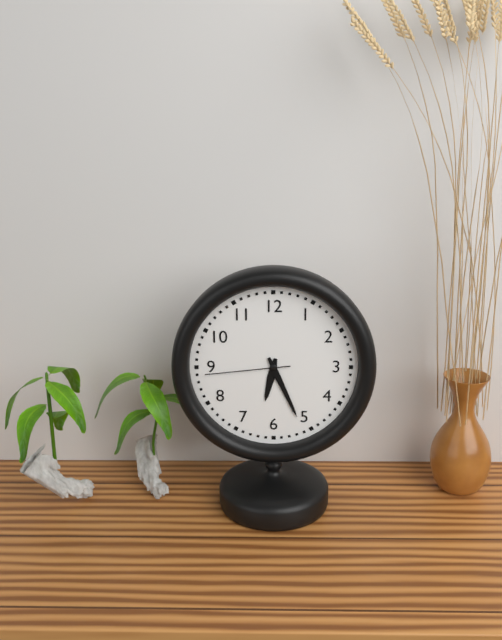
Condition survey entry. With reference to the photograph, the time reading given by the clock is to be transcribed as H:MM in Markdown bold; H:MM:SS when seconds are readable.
**6:26:44**
